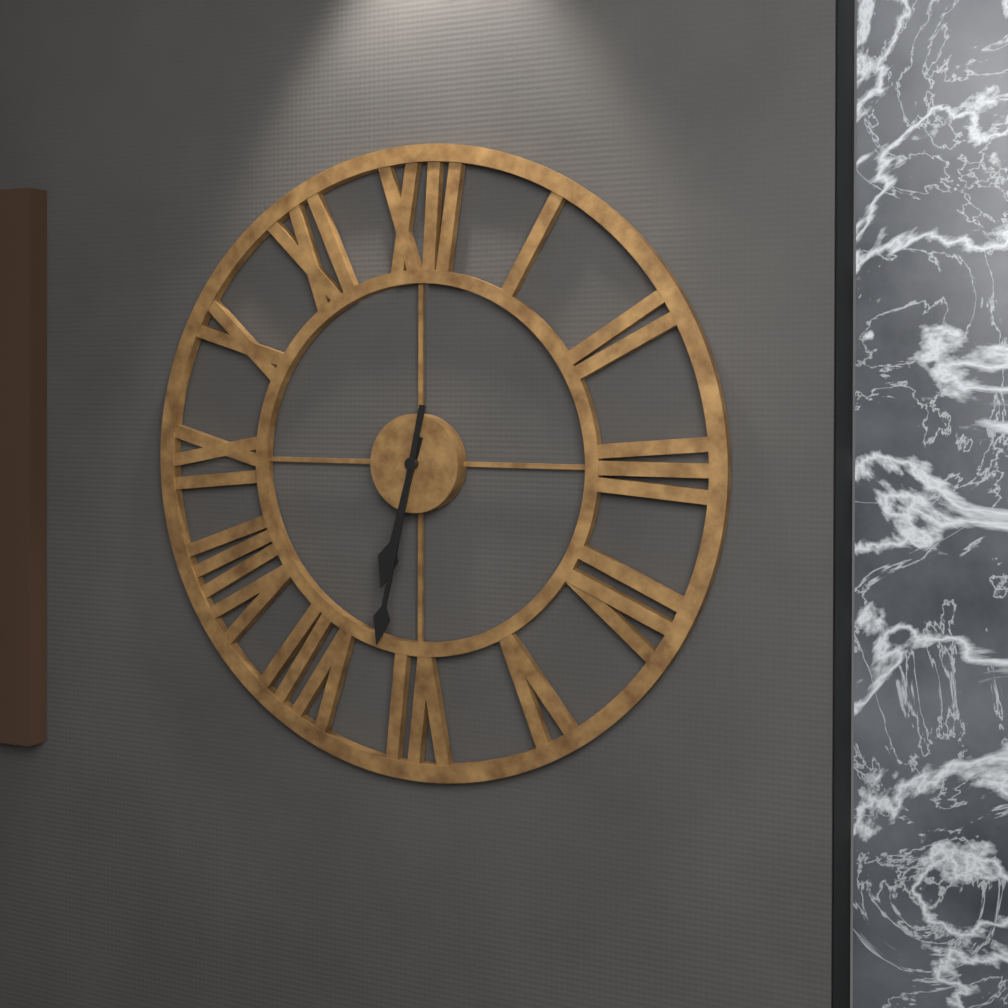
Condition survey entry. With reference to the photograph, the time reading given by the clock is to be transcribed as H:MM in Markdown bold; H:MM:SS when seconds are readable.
**6:32**
